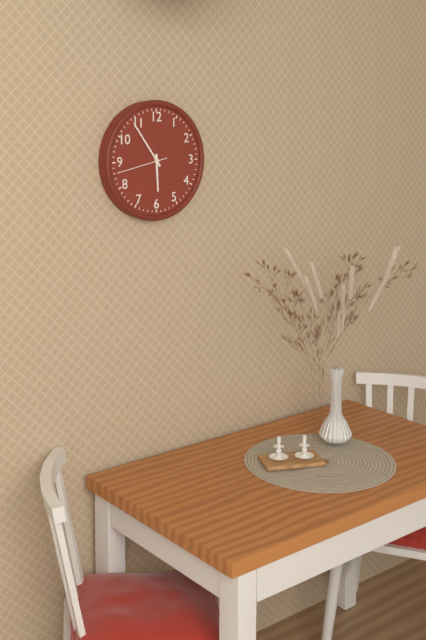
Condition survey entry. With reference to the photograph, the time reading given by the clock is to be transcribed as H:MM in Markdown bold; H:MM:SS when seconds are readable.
**5:54:43**
